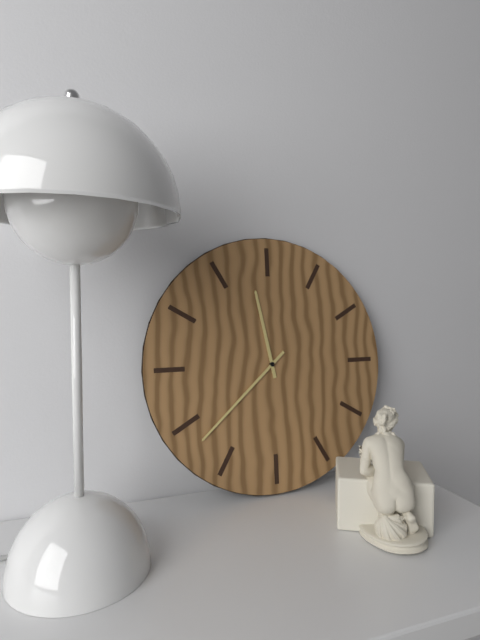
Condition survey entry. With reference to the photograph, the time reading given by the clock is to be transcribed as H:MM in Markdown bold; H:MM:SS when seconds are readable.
**11:38**
